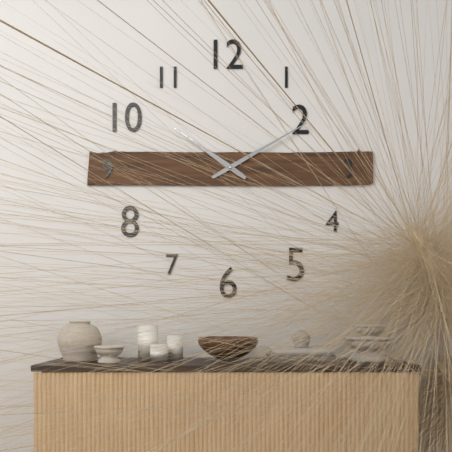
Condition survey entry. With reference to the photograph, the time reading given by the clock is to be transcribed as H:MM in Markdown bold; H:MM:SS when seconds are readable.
**10:10**
